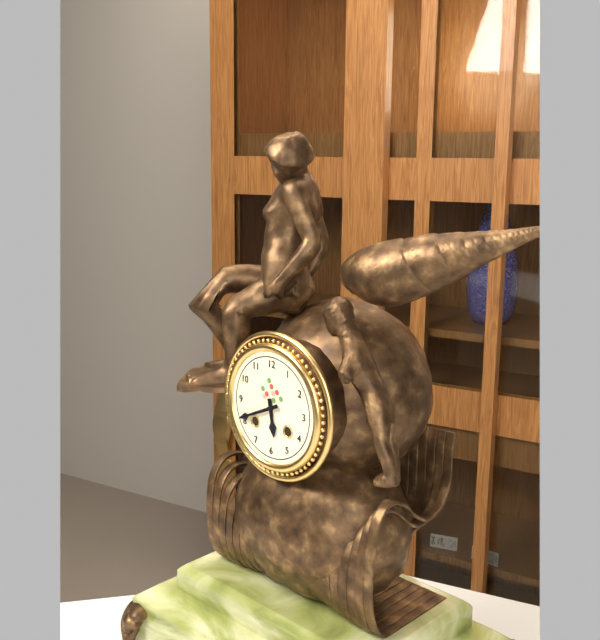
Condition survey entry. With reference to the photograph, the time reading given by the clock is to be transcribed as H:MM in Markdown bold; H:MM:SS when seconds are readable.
**5:41**
